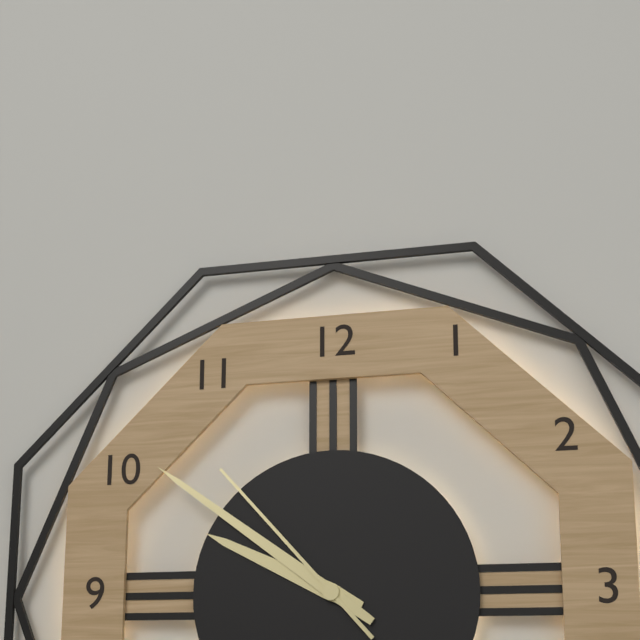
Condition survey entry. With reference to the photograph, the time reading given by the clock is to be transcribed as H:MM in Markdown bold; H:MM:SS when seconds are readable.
**9:51:53**
